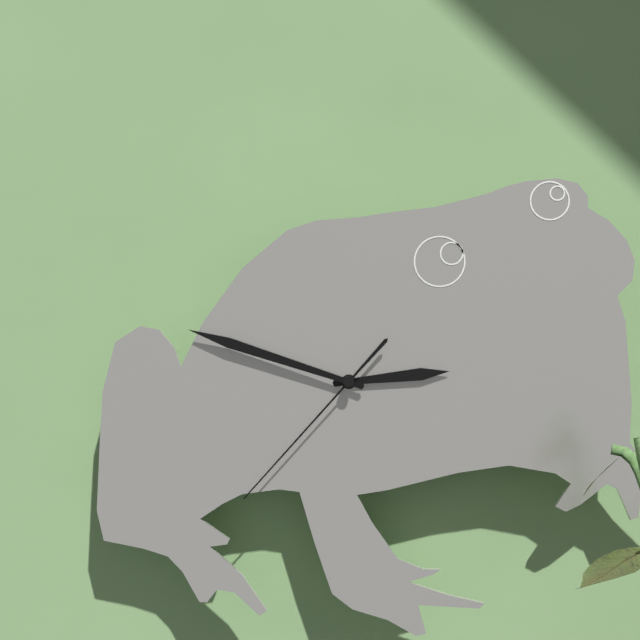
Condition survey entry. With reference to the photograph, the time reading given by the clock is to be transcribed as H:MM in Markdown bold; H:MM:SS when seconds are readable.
**2:48:37**
